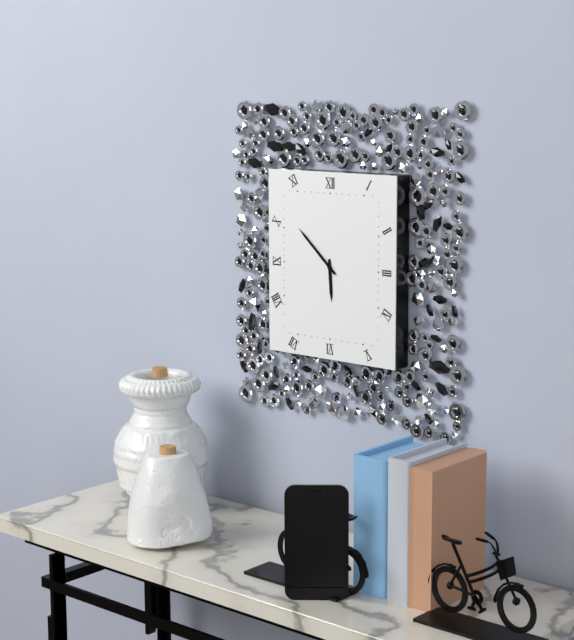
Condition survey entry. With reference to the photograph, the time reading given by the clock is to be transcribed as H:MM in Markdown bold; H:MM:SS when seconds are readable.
**5:52**
